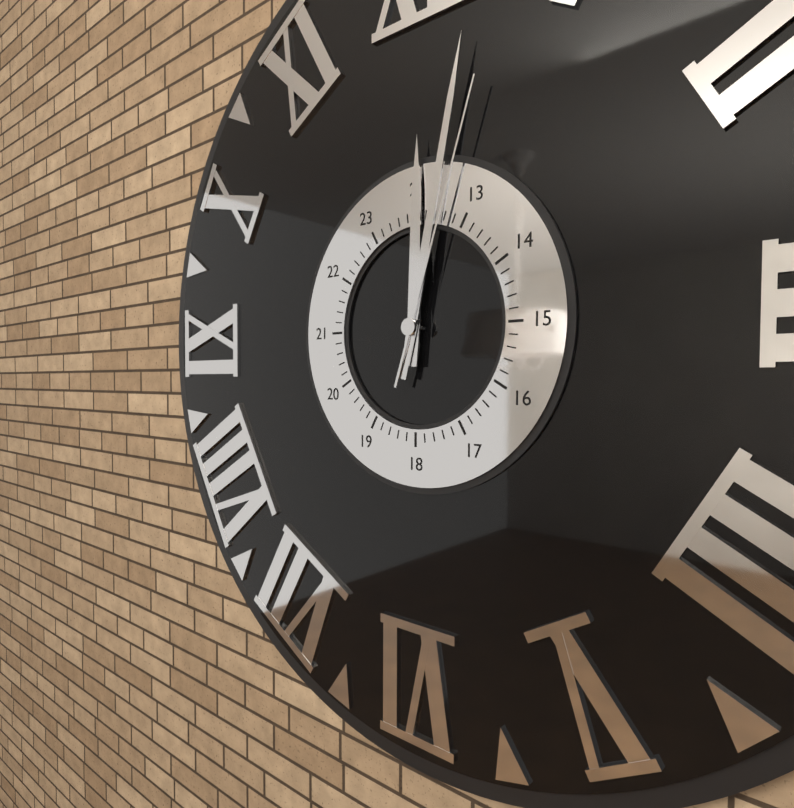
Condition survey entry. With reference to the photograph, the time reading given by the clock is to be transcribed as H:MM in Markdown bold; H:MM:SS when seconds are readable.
**12:02:03**
